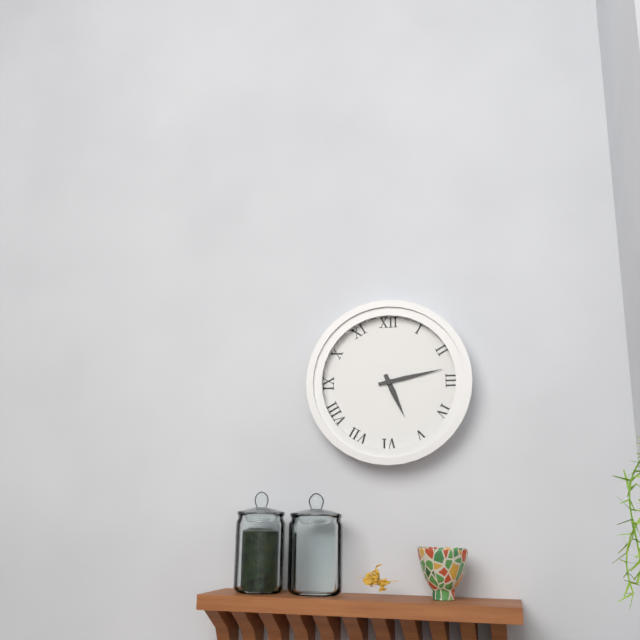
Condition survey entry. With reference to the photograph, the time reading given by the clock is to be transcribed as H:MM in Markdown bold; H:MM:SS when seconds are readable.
**5:13**
